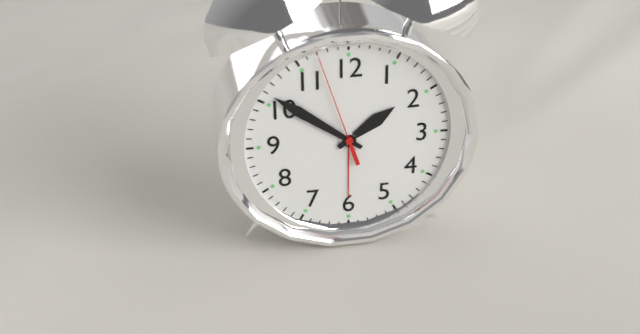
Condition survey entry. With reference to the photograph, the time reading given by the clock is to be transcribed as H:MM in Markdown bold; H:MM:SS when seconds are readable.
**1:51:57**
